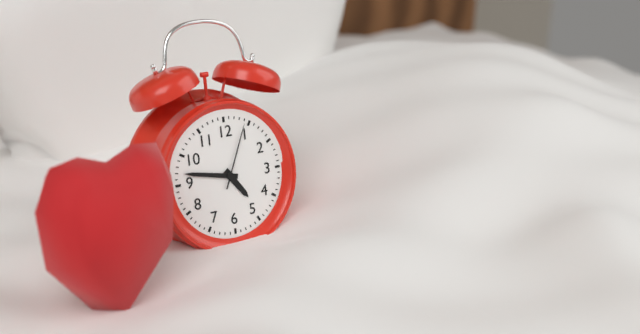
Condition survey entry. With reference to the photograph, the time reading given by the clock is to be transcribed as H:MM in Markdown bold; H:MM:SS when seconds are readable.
**4:47:04**
